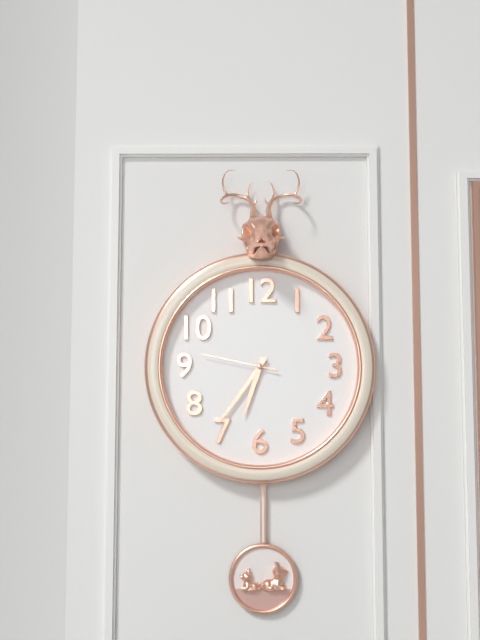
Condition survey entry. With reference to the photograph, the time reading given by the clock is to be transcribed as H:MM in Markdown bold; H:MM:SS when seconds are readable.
**6:36:47**
